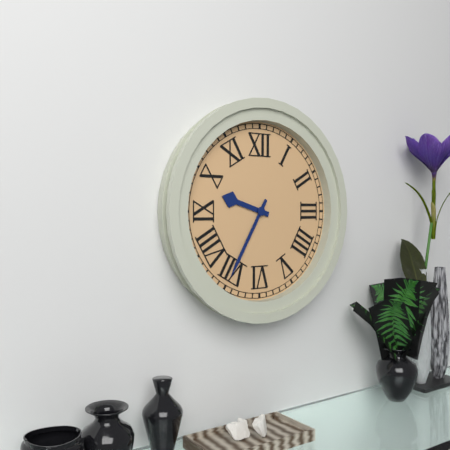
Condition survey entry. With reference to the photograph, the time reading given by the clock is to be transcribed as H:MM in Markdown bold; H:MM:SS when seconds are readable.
**9:35**
